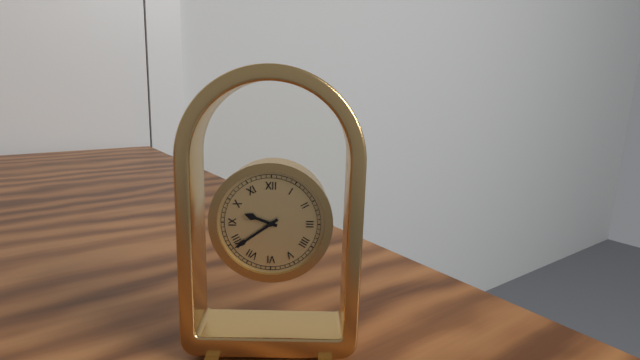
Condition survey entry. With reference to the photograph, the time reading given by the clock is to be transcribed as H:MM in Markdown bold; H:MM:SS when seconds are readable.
**9:39**
